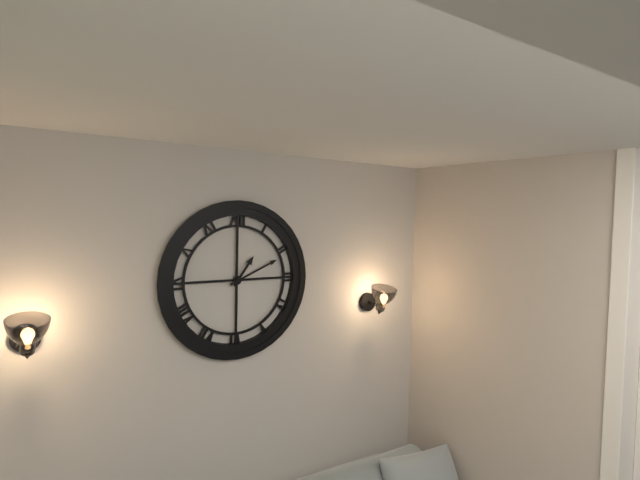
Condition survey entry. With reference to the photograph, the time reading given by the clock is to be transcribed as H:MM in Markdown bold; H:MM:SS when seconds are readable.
**1:11**
